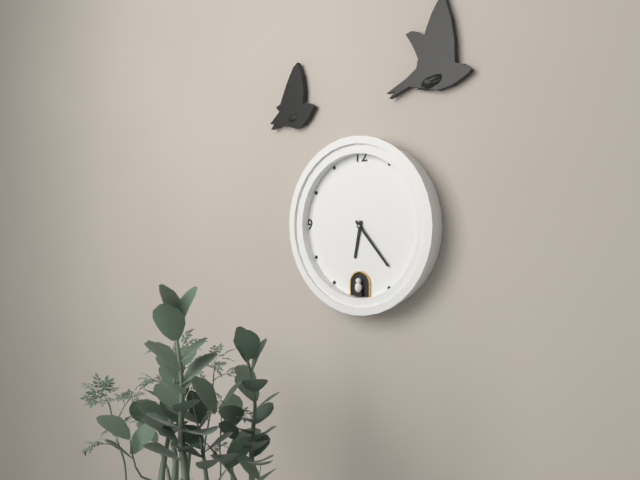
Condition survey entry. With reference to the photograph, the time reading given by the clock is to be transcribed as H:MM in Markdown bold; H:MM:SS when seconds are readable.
**6:23**
